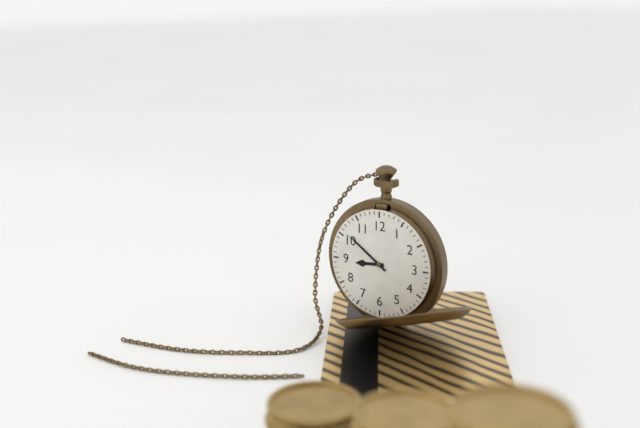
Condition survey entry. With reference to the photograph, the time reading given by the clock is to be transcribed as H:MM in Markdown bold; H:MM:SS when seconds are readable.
**8:51**
